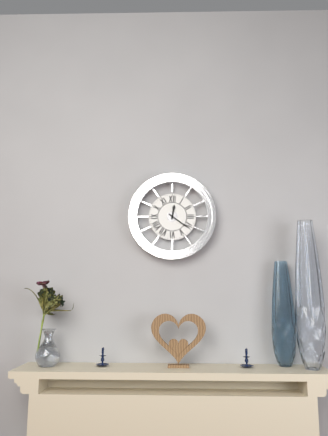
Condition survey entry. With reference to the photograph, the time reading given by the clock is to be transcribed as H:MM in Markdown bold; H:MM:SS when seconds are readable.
**12:21**
